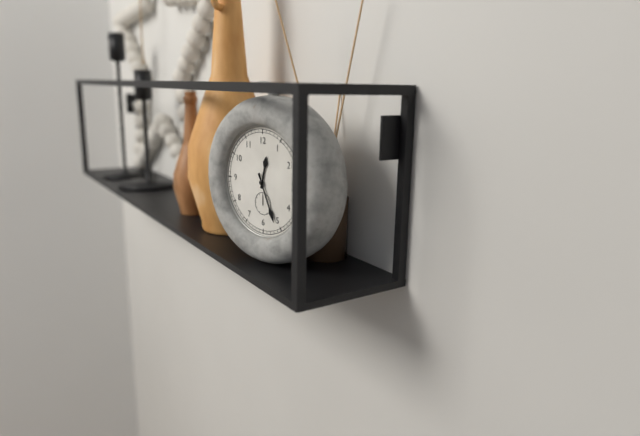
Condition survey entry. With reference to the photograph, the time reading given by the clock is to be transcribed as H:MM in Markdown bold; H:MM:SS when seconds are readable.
**12:26**
